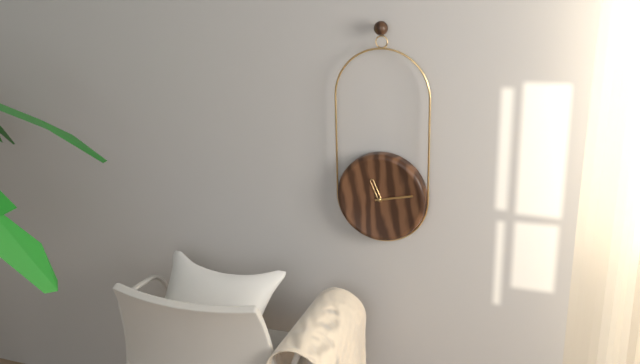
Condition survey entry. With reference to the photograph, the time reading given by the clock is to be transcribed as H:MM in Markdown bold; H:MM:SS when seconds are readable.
**11:13**
